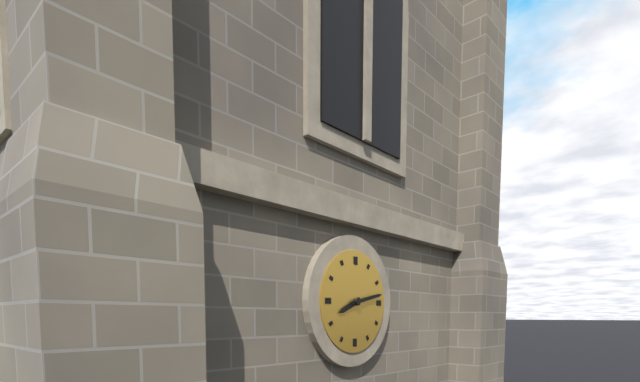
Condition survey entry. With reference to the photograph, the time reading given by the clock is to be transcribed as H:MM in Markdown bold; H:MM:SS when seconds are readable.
**8:13**
